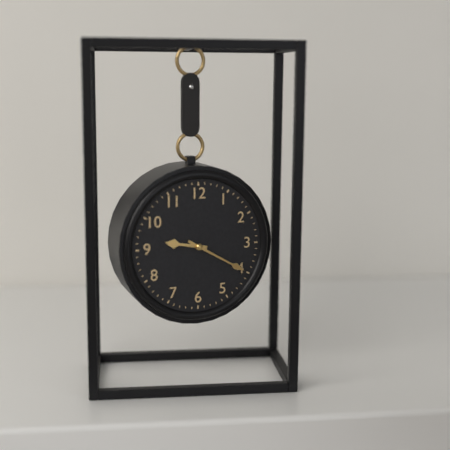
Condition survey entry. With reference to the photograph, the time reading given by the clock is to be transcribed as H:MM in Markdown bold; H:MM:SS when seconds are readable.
**9:20**
